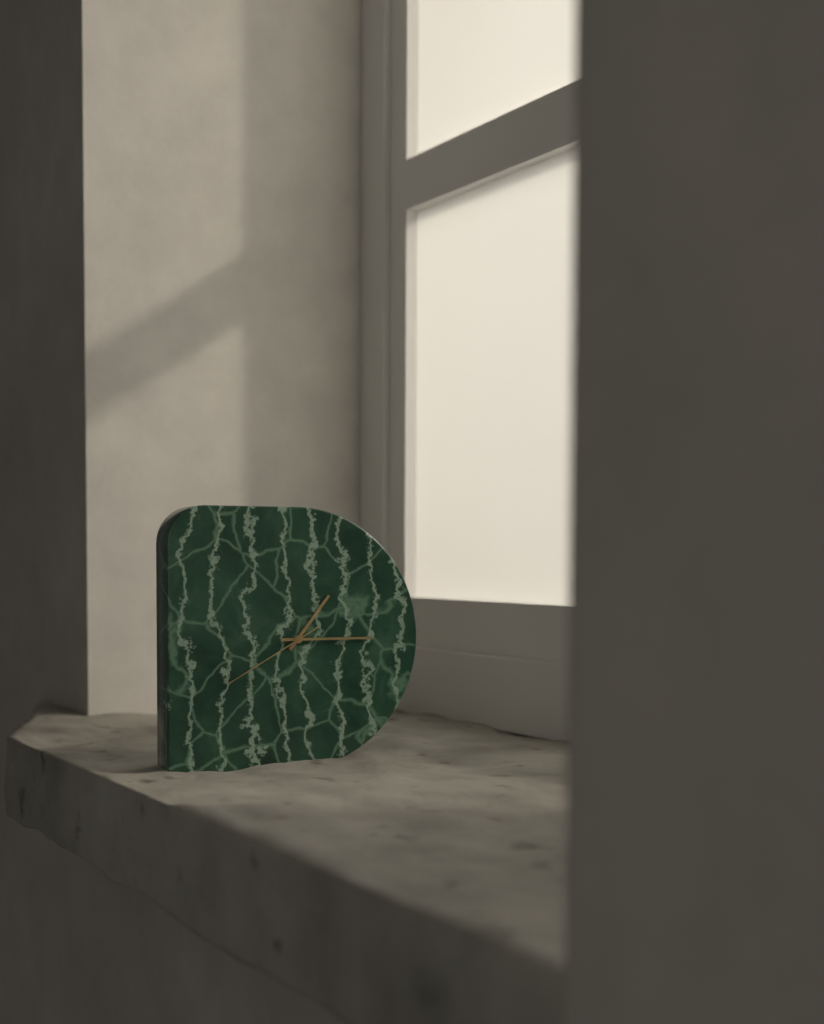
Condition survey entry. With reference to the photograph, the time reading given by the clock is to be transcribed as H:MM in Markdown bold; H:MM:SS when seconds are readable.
**1:15:40**
